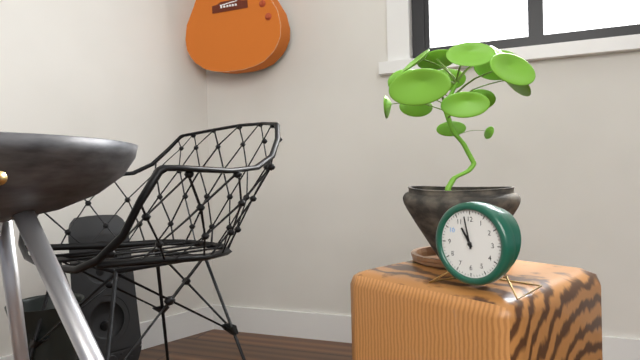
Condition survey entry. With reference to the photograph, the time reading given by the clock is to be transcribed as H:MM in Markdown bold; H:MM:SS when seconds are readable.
**10:58**
